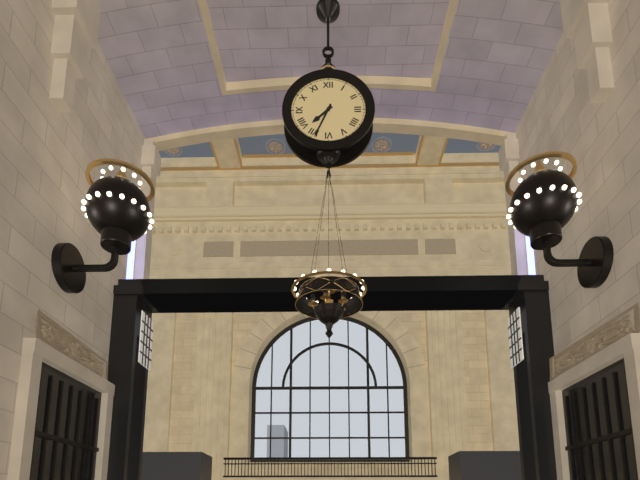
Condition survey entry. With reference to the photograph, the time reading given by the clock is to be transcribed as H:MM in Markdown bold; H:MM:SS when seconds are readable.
**7:34**
